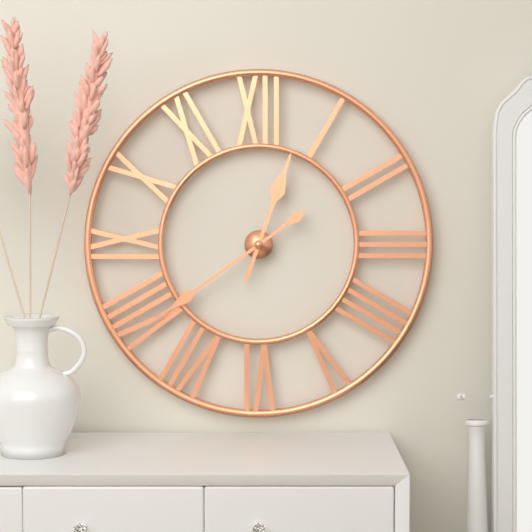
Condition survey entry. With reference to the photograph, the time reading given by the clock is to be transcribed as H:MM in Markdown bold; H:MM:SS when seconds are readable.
**12:39**
